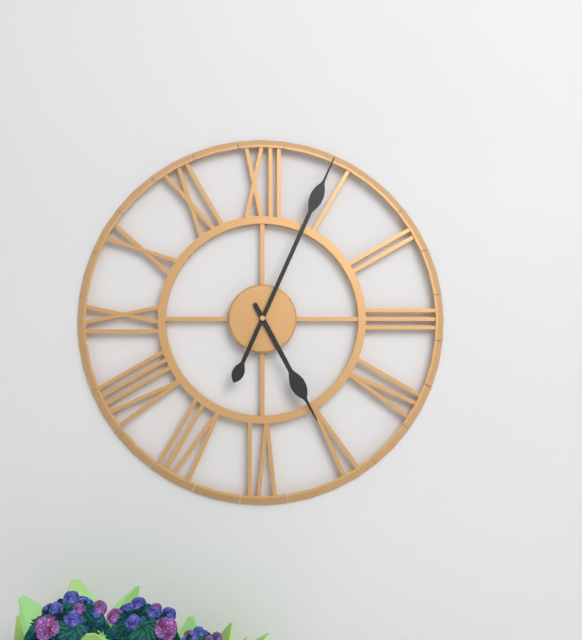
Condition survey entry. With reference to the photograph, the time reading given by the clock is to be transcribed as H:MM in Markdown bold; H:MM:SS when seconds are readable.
**5:04**
